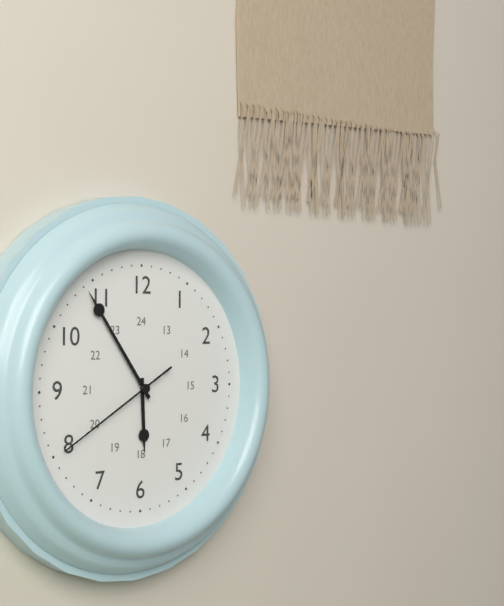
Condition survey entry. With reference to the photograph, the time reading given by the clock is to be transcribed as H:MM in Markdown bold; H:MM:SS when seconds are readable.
**5:54:40**
